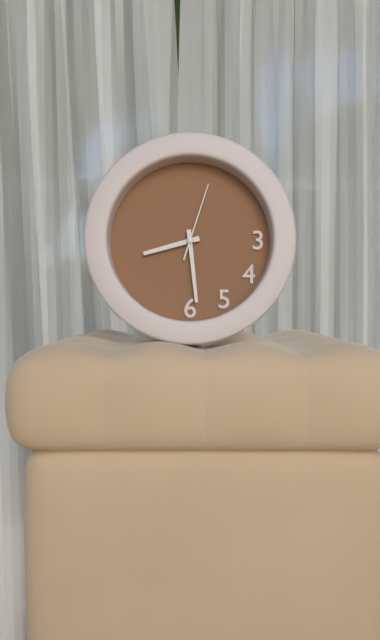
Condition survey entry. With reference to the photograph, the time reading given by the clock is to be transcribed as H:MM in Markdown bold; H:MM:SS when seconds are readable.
**8:29:03**
